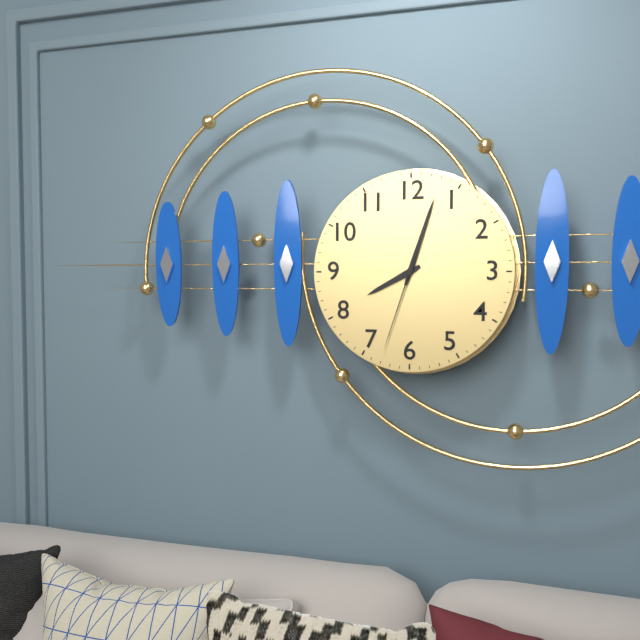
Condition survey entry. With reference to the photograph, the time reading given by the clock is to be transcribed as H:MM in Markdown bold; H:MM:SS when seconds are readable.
**8:03:33**
